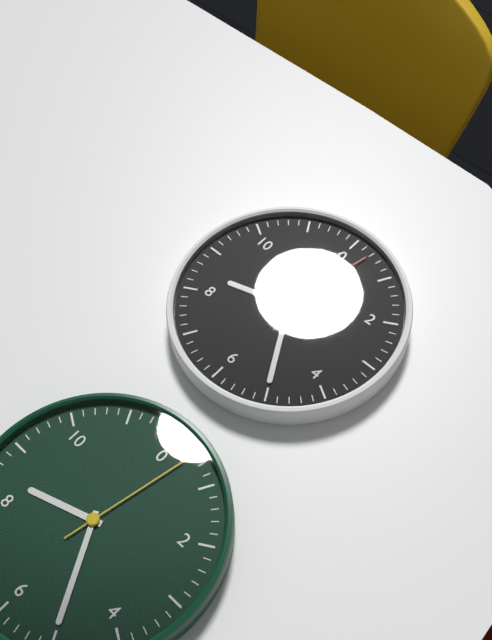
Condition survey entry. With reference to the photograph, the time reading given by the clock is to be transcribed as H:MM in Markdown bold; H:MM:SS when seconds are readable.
**8:25:02**
